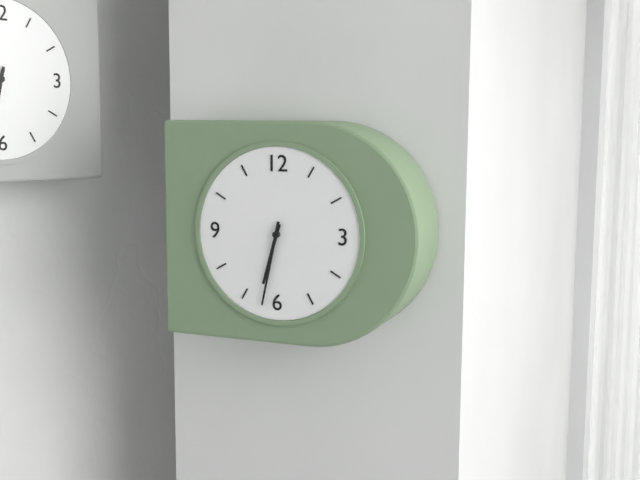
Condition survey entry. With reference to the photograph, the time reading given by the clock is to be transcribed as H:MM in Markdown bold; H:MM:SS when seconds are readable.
**6:32**
